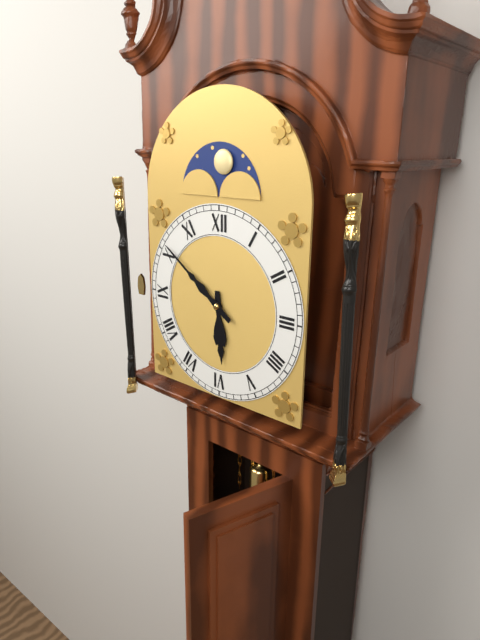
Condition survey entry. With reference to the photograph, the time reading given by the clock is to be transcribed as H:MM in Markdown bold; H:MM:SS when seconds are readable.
**5:51**
